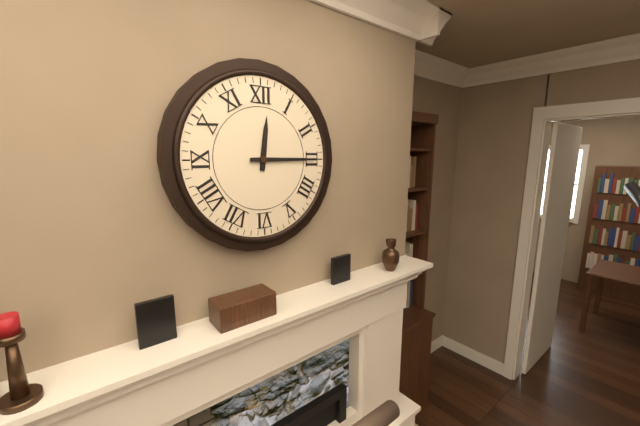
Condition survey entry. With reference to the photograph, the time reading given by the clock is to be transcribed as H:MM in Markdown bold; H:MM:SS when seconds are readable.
**12:15**
